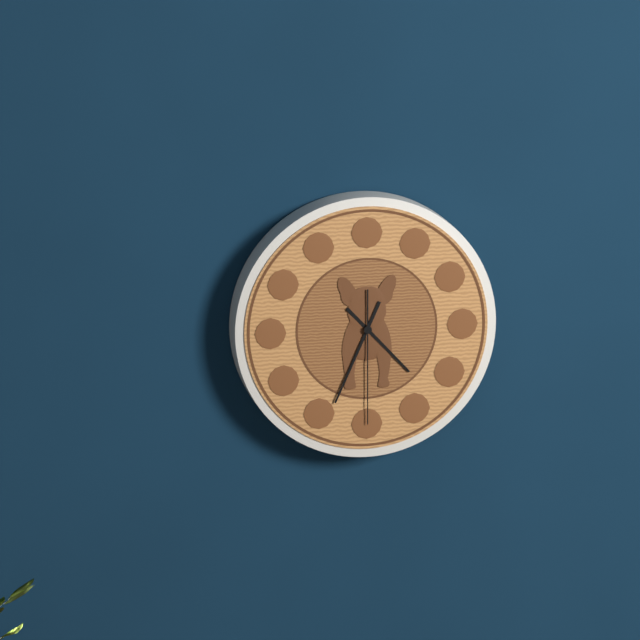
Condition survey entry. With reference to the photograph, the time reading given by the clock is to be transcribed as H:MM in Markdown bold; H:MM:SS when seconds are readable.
**4:34:30**
